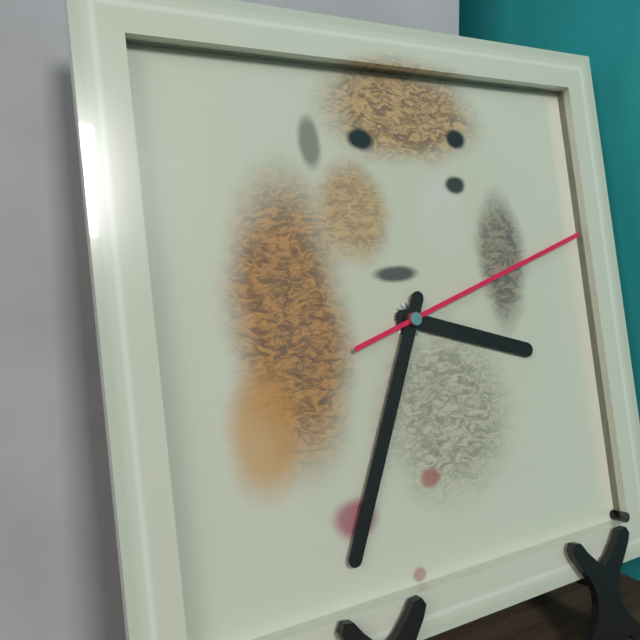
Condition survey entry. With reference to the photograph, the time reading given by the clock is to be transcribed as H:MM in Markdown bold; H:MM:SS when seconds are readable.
**3:34:12**
